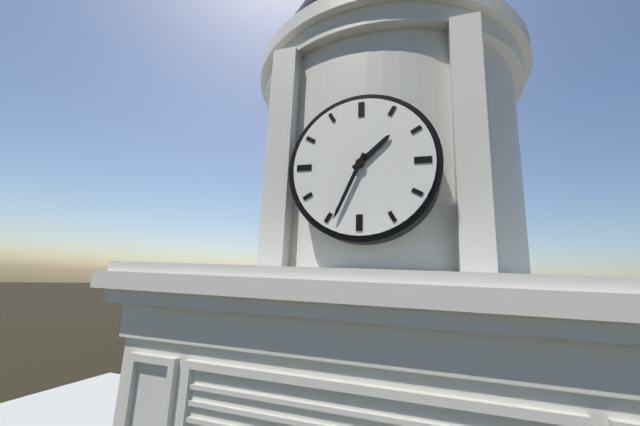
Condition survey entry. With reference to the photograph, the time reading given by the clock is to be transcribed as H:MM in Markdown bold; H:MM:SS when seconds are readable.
**1:34**
